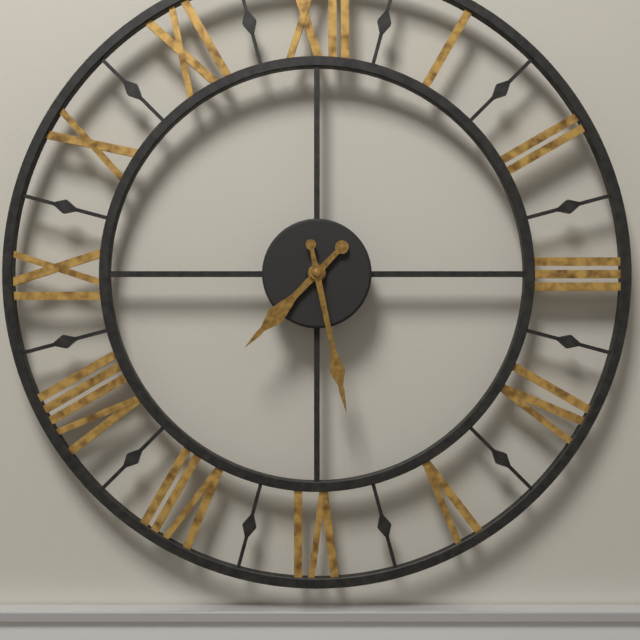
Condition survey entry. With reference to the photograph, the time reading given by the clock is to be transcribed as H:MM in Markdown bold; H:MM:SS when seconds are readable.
**7:28**
